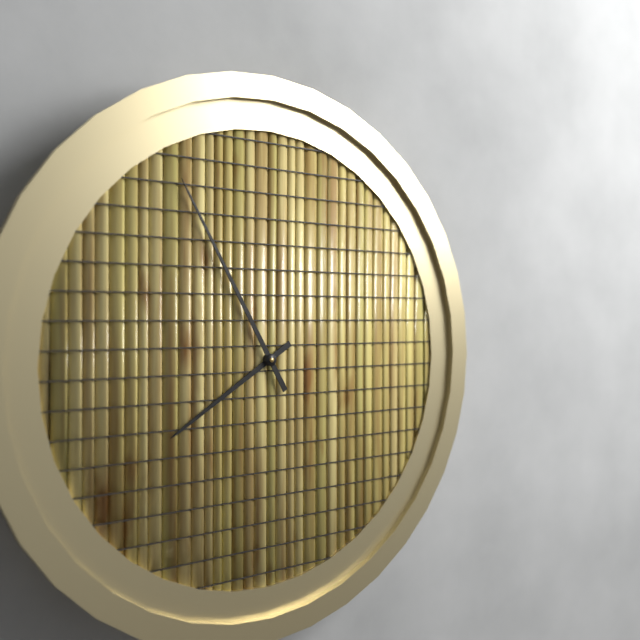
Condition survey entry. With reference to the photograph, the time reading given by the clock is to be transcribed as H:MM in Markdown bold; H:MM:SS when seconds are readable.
**7:55**
